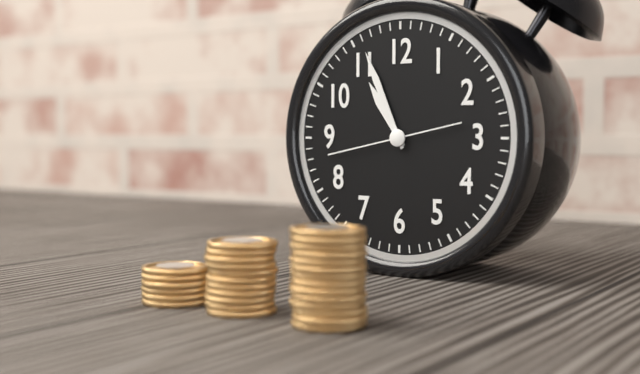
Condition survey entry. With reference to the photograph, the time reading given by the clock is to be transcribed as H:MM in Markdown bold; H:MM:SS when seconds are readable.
**10:56:43**
